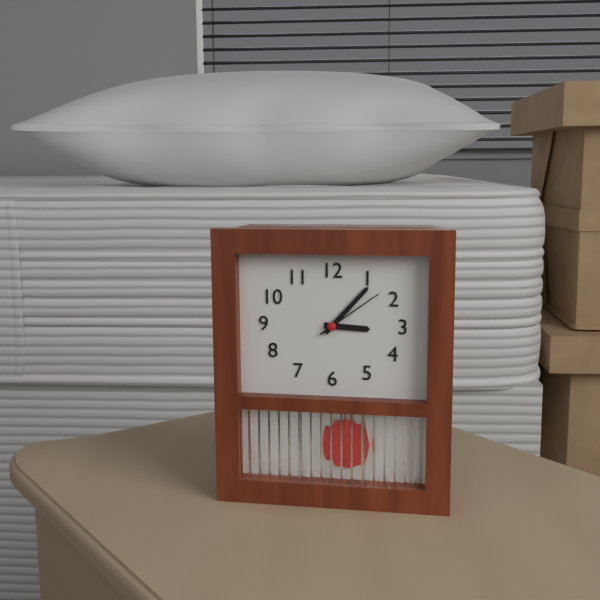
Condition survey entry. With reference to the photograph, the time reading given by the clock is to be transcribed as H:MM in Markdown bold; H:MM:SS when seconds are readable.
**3:07:09**
